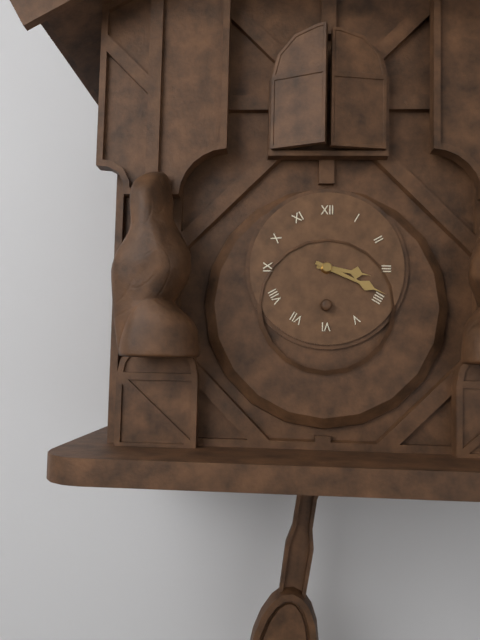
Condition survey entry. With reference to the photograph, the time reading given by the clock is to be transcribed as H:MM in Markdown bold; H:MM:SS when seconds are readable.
**3:19**
